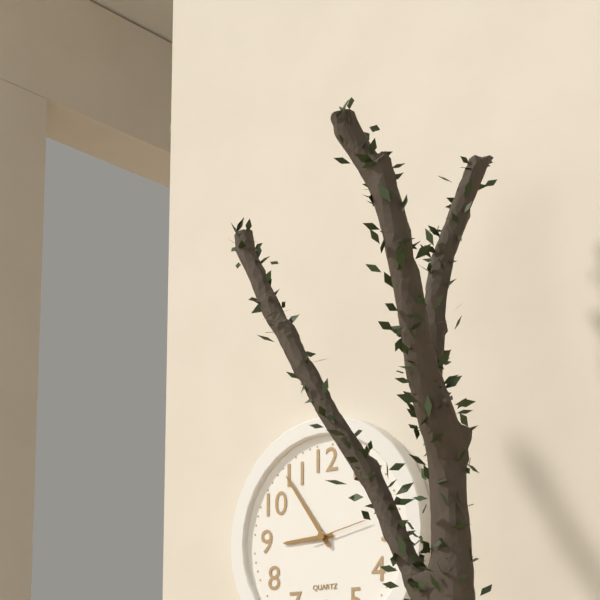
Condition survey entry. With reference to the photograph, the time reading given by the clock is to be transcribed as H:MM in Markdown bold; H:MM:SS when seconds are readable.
**8:54:13**
